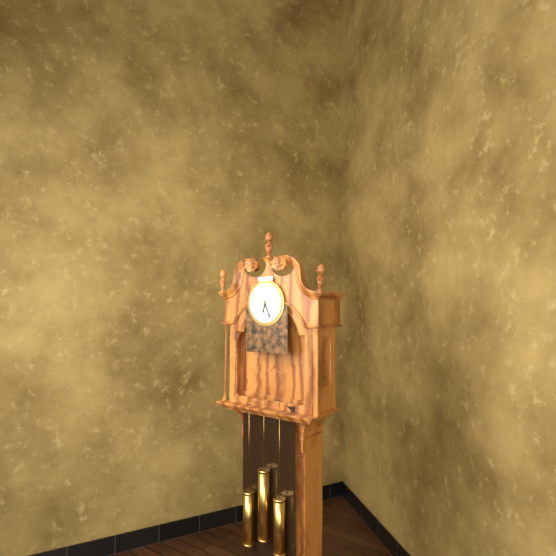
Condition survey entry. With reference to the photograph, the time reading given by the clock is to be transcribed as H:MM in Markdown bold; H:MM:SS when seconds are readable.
**6:26**
